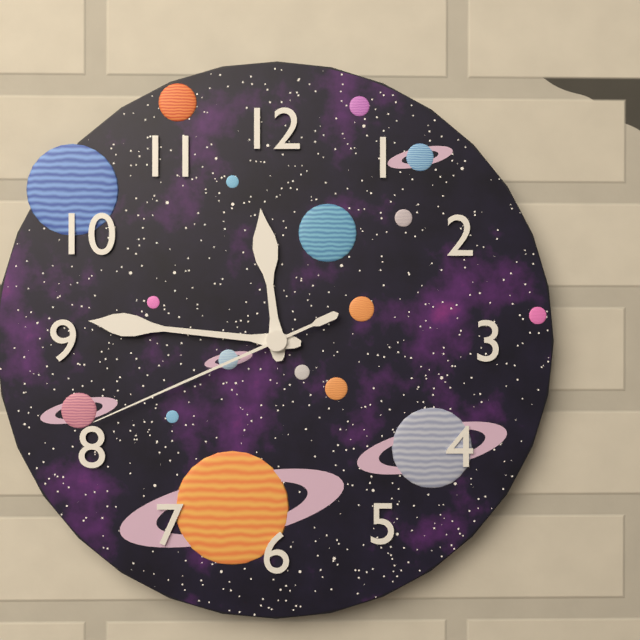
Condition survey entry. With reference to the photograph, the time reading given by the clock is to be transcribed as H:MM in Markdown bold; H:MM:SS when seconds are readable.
**11:46:41**
